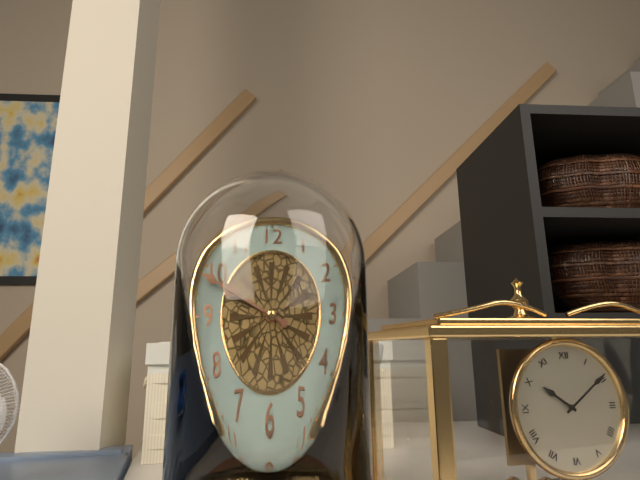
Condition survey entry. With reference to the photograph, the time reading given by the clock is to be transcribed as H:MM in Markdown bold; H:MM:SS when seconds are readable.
**9:49**
